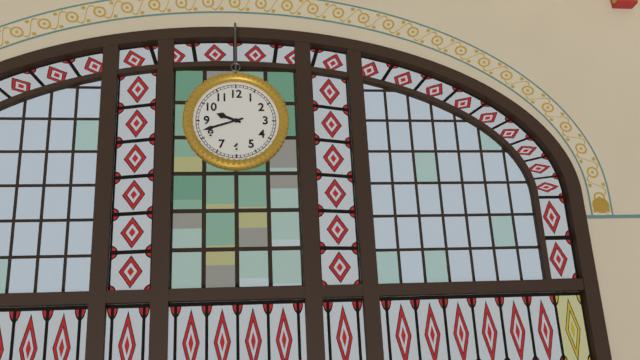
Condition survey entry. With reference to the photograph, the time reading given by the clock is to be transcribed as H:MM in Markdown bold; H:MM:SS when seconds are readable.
**9:42**
